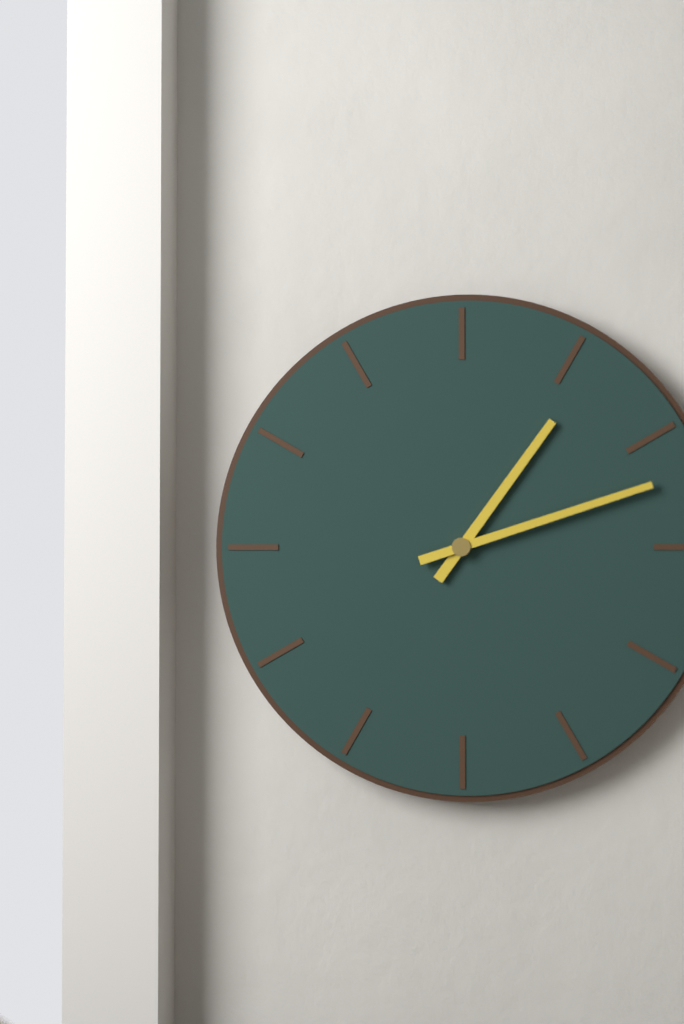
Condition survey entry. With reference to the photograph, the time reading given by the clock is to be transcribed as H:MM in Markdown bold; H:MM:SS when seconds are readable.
**1:12**
